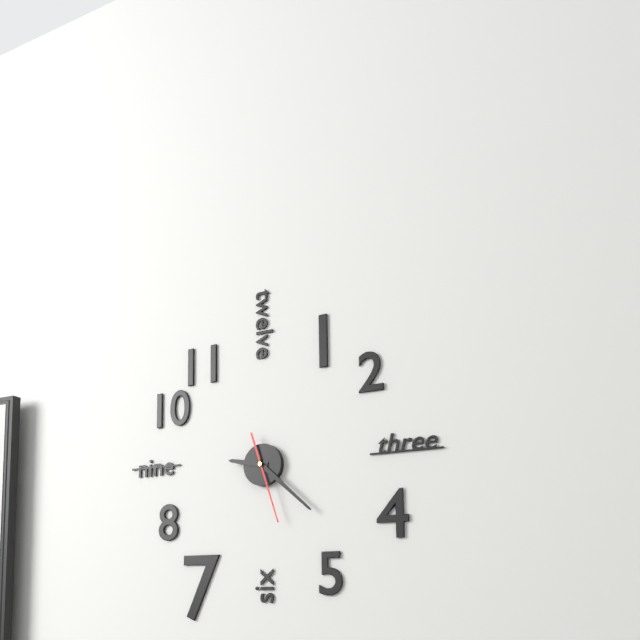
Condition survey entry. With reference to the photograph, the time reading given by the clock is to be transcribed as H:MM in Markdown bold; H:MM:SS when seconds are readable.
**9:22:27**
